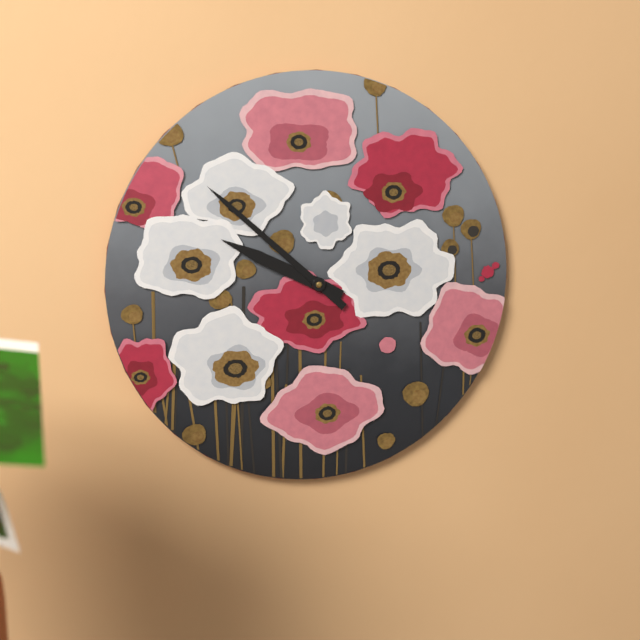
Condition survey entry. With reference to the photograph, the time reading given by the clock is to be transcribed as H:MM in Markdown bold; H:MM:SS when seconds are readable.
**9:52**
